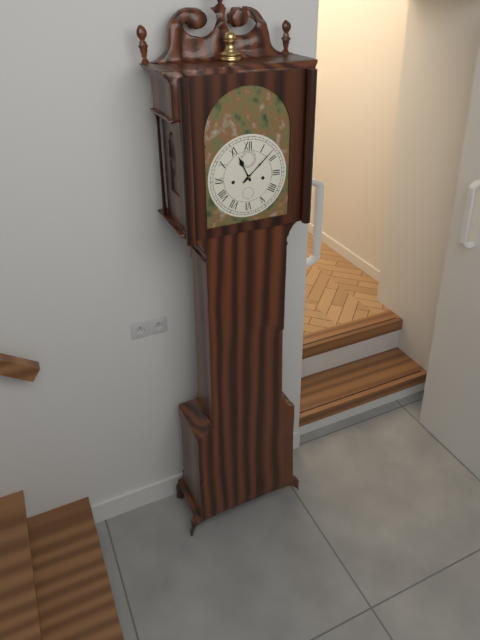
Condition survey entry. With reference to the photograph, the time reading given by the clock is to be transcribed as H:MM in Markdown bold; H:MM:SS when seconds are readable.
**11:08**
